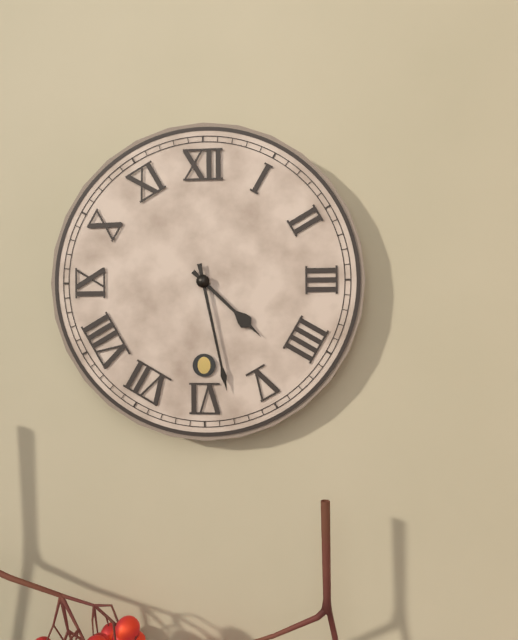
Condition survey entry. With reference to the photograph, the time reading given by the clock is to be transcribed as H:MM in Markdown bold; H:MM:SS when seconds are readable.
**4:28**
